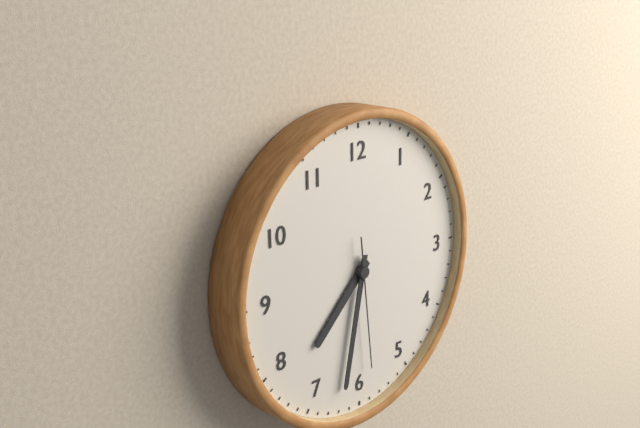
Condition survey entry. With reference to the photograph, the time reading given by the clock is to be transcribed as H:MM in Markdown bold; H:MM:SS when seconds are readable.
**7:32:29**
